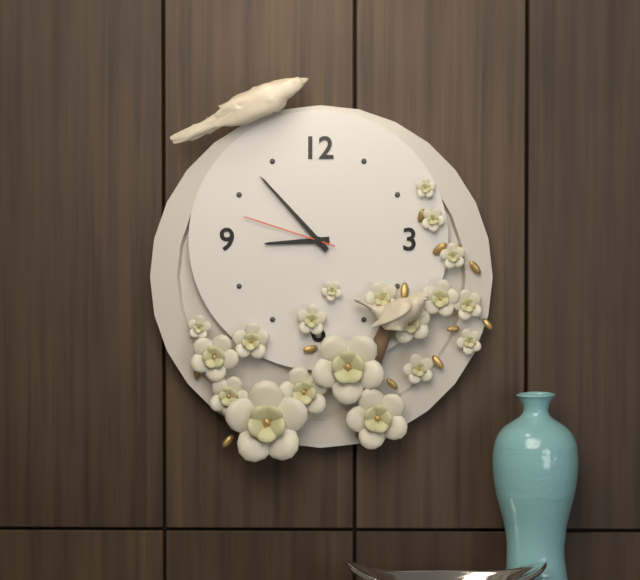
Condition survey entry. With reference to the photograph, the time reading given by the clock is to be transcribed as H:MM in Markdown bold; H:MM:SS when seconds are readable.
**8:53:48**
